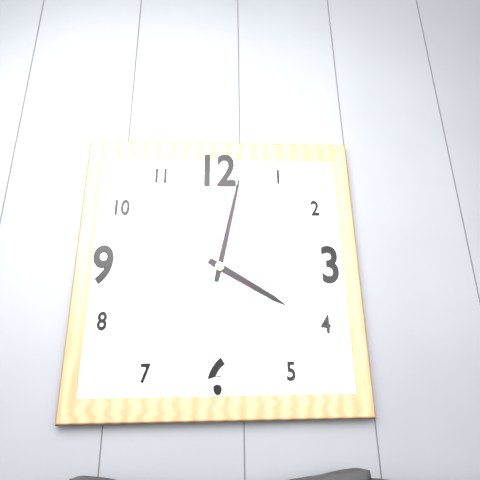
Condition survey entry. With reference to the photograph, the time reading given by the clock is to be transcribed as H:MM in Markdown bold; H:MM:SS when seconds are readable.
**4:02**
